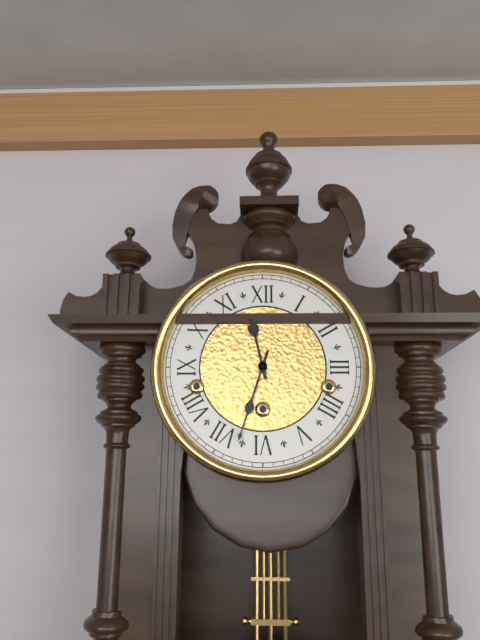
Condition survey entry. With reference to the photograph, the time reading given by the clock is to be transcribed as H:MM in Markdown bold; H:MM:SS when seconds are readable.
**11:33**
